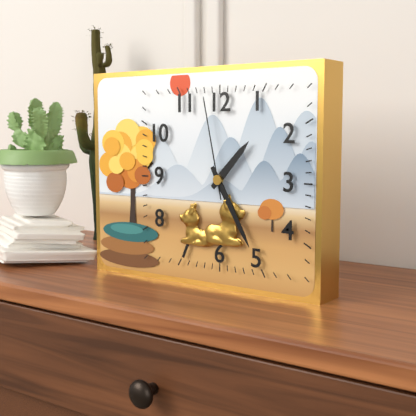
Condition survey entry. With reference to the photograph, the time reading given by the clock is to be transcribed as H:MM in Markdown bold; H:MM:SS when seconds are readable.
**1:25:58**
